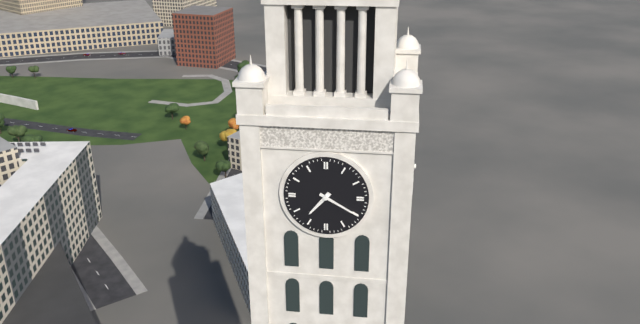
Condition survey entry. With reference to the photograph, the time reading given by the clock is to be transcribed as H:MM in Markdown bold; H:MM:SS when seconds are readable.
**7:20**
